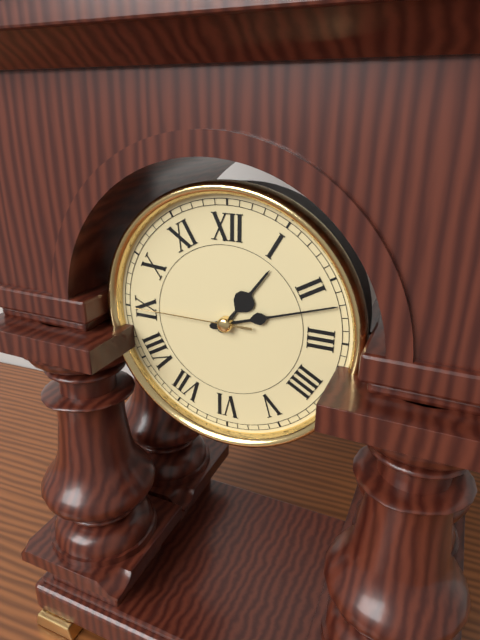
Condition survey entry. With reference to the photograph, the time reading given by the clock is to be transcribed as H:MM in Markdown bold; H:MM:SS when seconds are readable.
**1:12:45**
